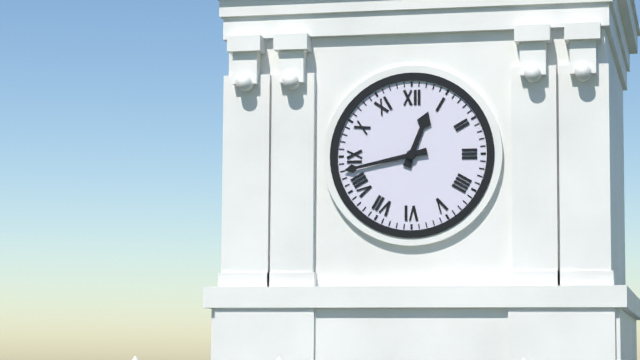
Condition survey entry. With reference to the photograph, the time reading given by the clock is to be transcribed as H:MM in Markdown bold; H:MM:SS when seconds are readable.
**12:43**
